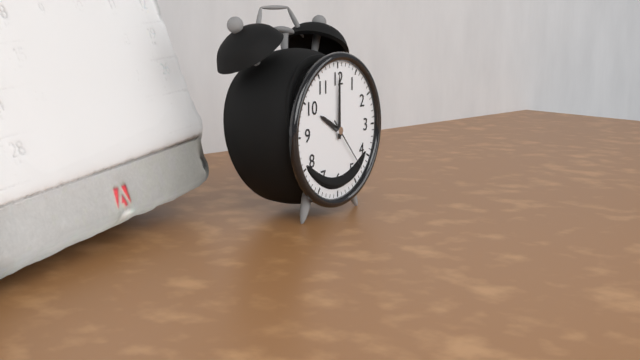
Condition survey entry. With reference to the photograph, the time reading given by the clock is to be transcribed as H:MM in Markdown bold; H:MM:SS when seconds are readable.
**10:00:23**
